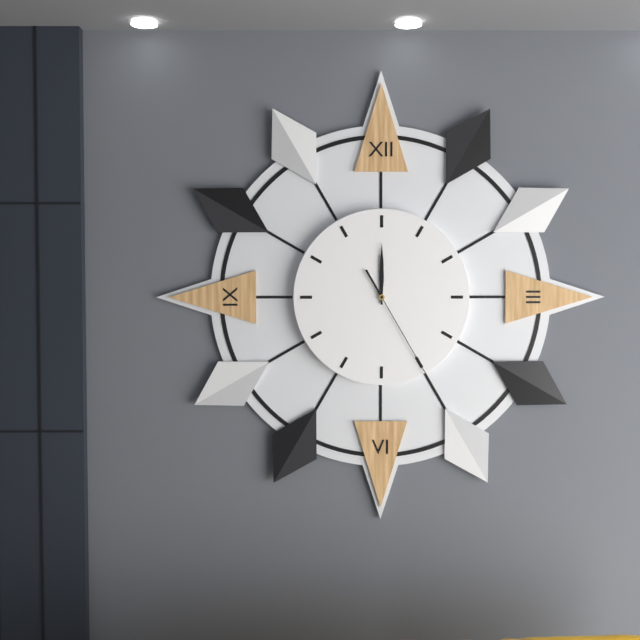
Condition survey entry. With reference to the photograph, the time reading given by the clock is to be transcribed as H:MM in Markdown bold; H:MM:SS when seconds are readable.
**12:00:25**
